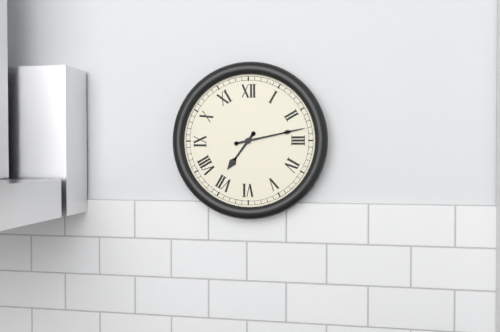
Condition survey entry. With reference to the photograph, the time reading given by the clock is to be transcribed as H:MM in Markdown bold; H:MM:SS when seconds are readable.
**7:13**
